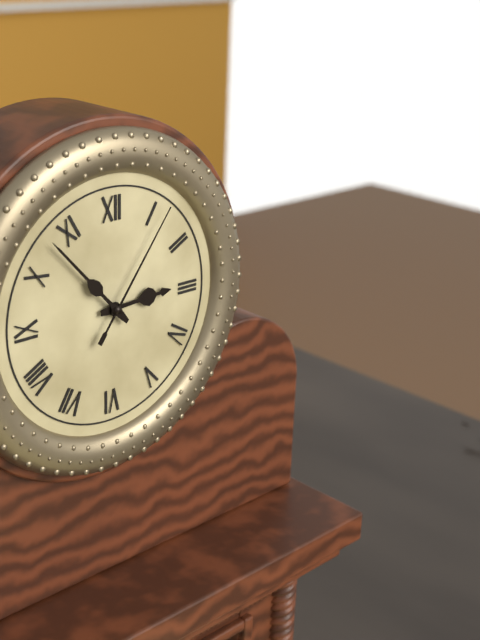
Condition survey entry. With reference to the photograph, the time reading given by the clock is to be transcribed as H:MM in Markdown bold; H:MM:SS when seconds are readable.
**2:53:06**
